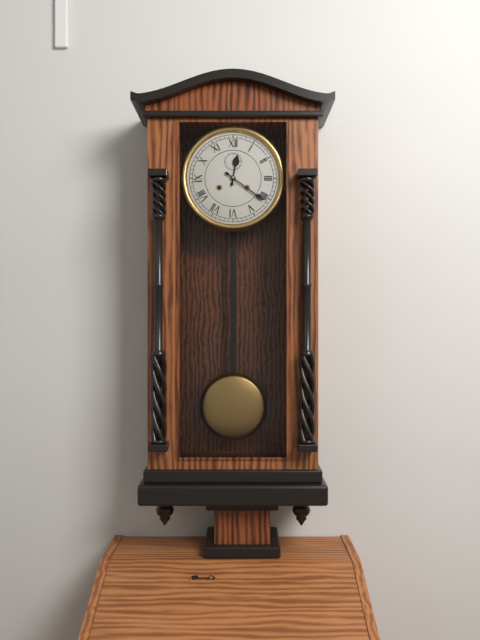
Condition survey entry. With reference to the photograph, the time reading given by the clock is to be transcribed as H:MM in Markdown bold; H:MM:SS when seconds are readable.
**12:21**
